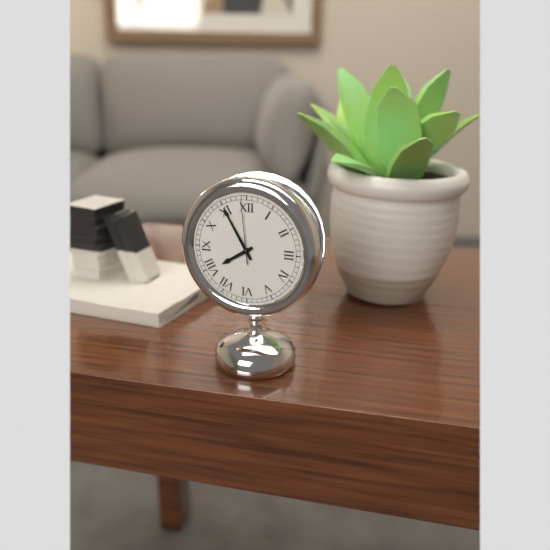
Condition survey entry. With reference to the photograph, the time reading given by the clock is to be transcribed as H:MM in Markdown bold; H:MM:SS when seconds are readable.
**7:55:59**
